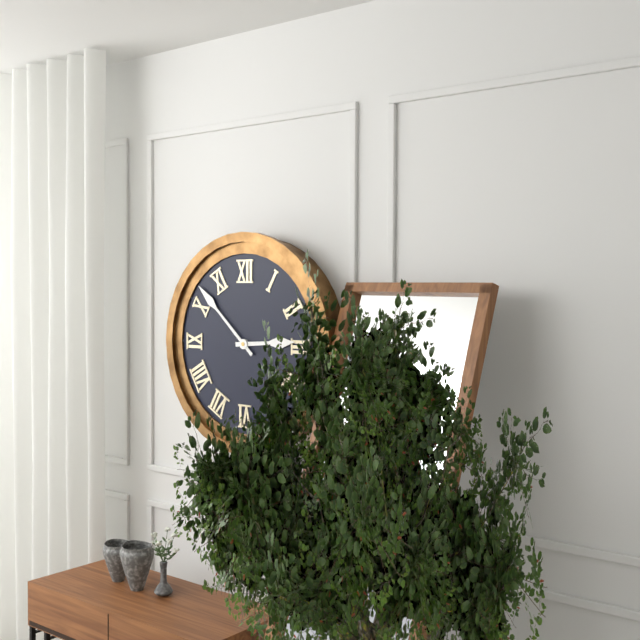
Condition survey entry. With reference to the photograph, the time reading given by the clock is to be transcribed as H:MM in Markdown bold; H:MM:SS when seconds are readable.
**2:52**
